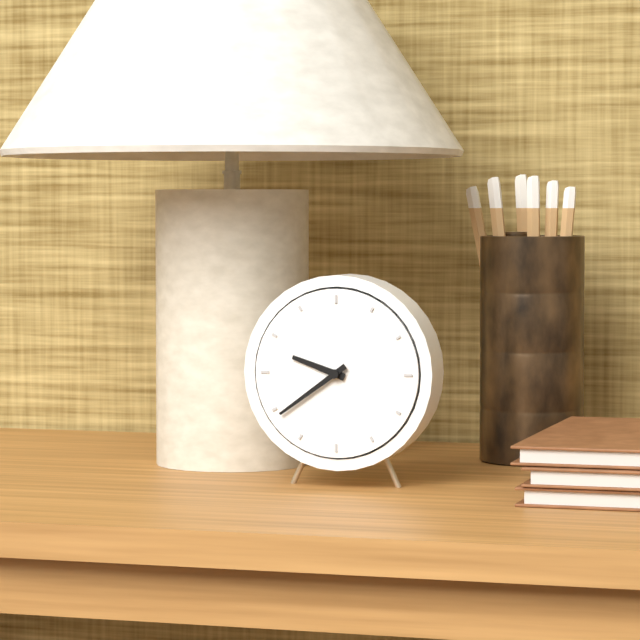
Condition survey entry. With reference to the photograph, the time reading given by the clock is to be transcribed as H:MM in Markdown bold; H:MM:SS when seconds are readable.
**9:39**
